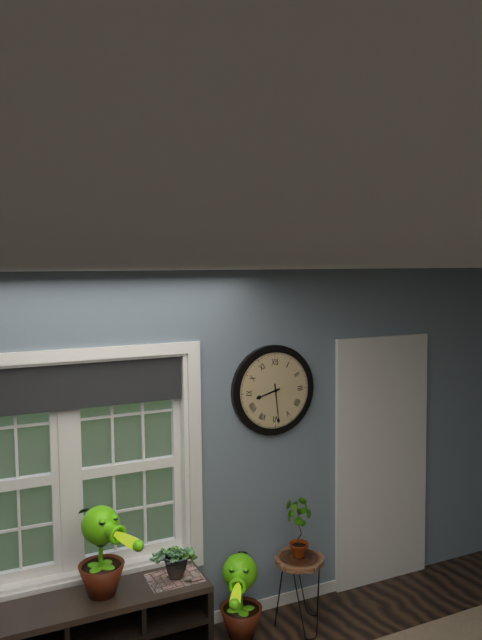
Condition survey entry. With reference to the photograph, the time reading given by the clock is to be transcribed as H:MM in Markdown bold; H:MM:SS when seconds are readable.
**8:29**
